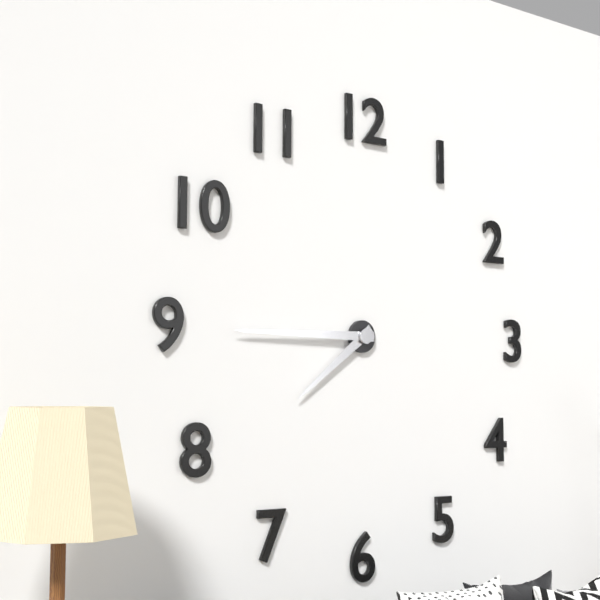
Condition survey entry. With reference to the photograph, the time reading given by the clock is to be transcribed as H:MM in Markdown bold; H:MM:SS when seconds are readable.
**7:45**
